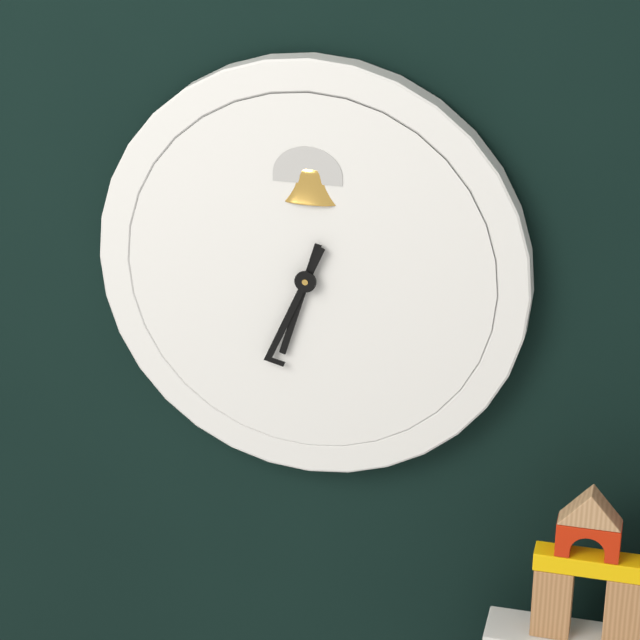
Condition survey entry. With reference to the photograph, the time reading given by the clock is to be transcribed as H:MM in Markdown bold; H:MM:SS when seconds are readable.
**6:34**
